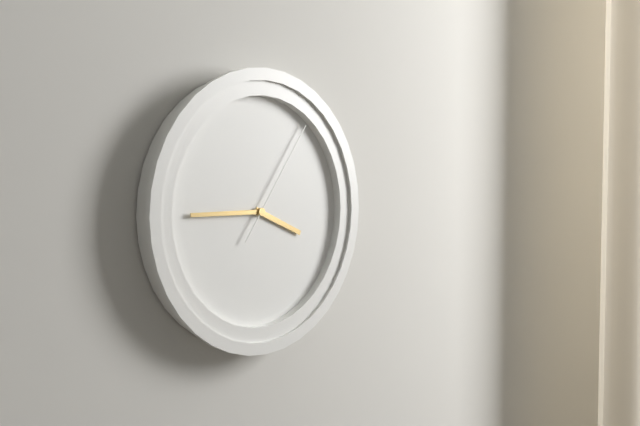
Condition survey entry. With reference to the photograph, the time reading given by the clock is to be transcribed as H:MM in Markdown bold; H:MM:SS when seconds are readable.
**3:45:06**
